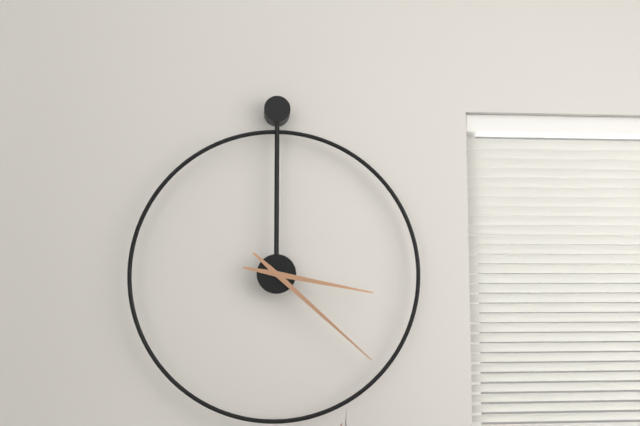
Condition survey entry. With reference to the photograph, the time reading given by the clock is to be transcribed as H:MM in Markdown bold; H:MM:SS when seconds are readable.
**3:22**
